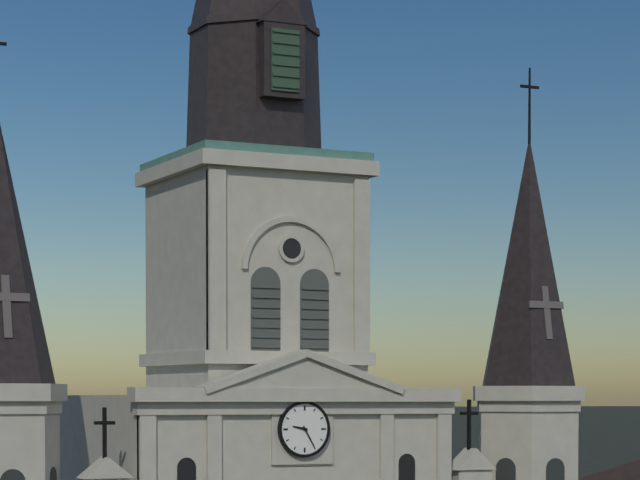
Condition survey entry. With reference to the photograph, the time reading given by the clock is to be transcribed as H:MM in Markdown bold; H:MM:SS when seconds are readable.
**9:25**
